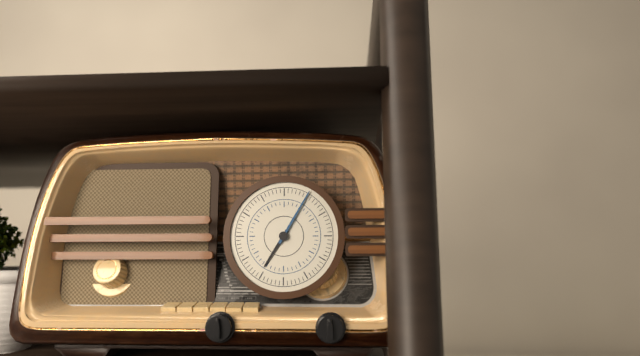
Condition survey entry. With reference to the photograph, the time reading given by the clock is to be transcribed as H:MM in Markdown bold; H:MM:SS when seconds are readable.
**7:05**
